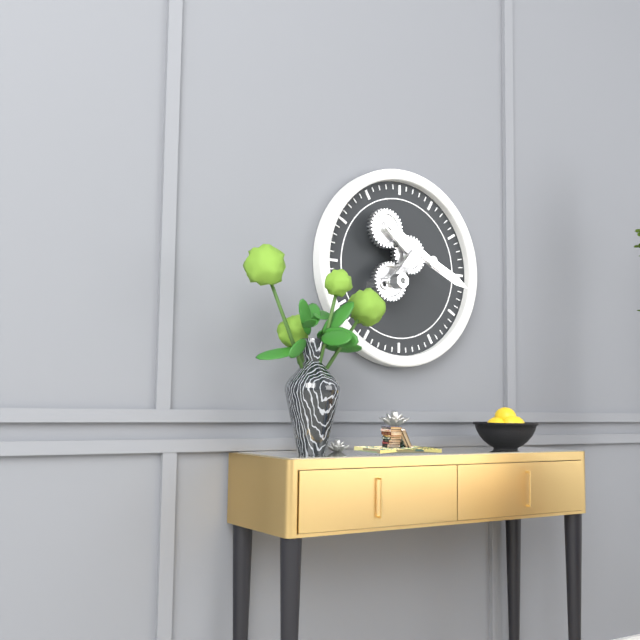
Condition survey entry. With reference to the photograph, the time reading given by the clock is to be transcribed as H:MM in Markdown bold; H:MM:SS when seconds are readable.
**3:50**
